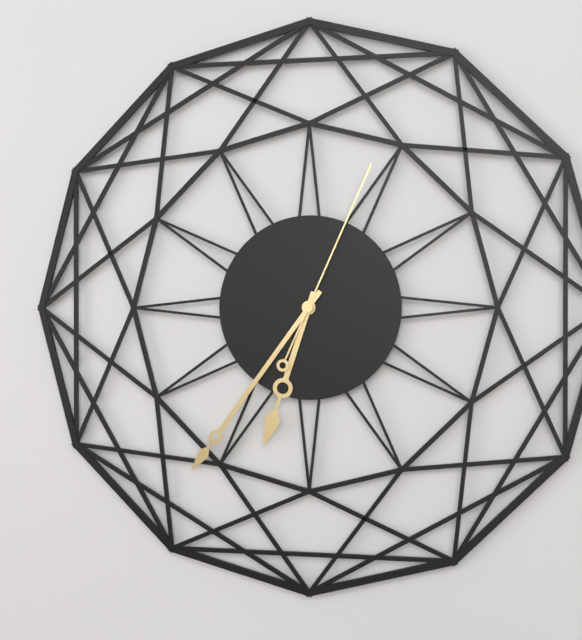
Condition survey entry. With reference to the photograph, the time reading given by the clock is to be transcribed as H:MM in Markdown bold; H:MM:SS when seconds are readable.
**6:36:04**
